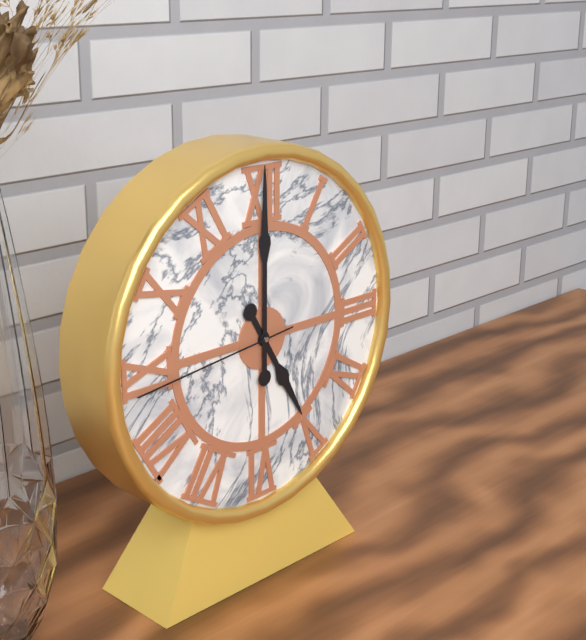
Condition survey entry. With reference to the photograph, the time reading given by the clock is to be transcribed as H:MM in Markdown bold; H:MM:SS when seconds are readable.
**5:00:44**
